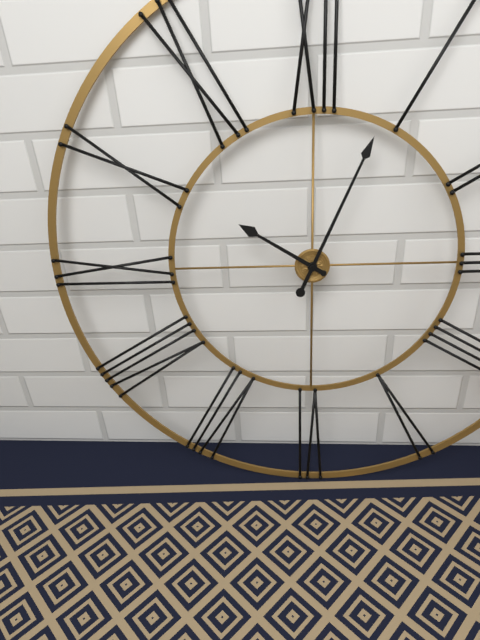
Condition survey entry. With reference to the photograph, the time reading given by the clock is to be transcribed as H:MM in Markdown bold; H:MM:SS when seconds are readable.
**10:04**
